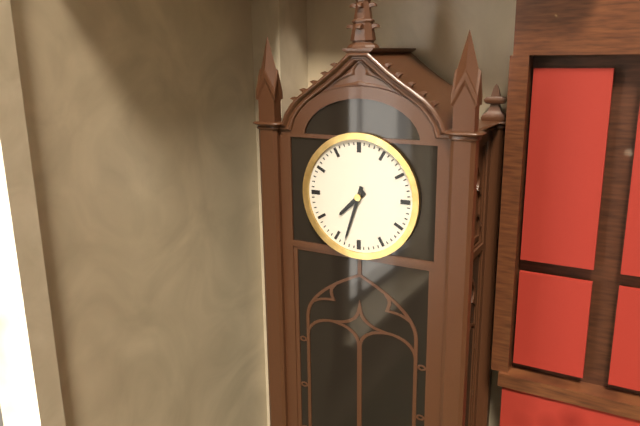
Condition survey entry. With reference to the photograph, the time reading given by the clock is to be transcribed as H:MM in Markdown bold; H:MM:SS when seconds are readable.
**7:33**
